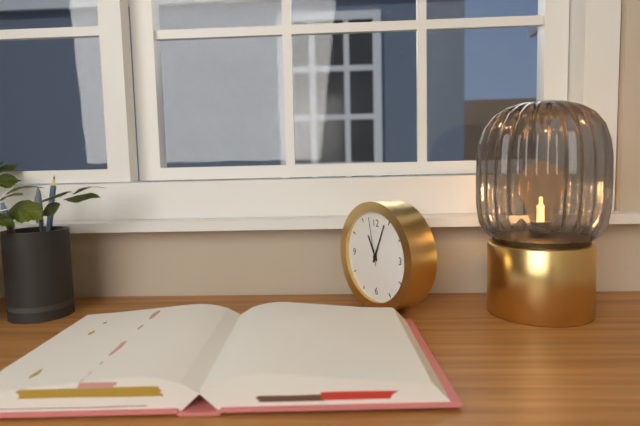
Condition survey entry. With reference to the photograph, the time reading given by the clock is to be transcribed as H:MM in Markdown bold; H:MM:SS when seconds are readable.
**11:04:58**
